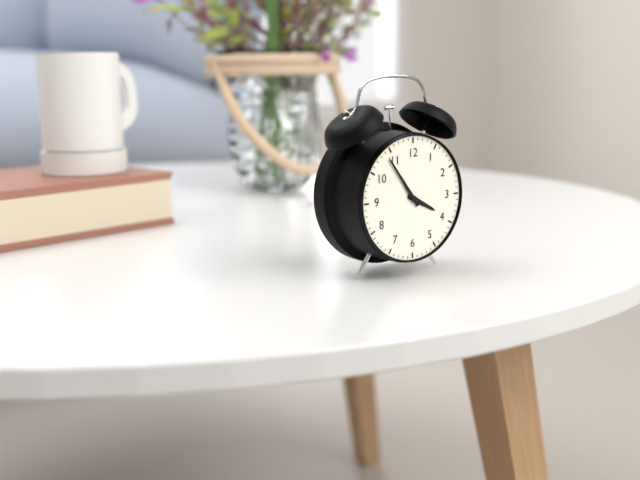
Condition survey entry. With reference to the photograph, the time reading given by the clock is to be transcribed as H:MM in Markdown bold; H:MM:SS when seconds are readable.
**3:54**
